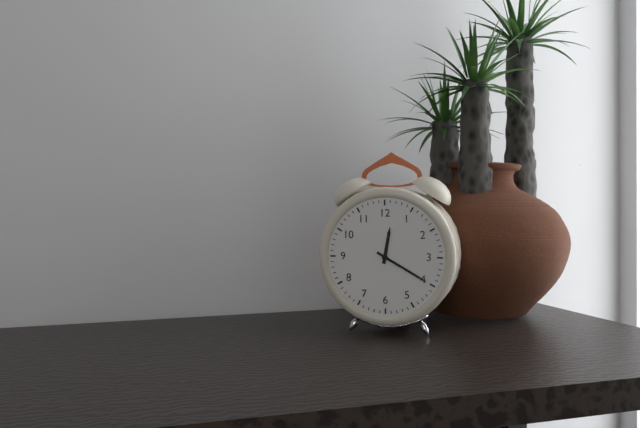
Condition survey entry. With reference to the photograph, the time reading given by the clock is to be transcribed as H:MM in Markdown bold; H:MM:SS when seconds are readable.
**12:20**
